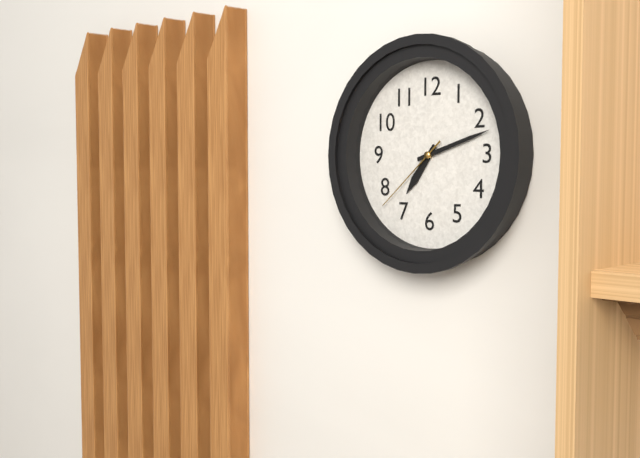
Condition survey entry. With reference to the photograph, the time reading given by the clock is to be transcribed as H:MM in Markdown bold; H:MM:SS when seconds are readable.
**7:12:38**
